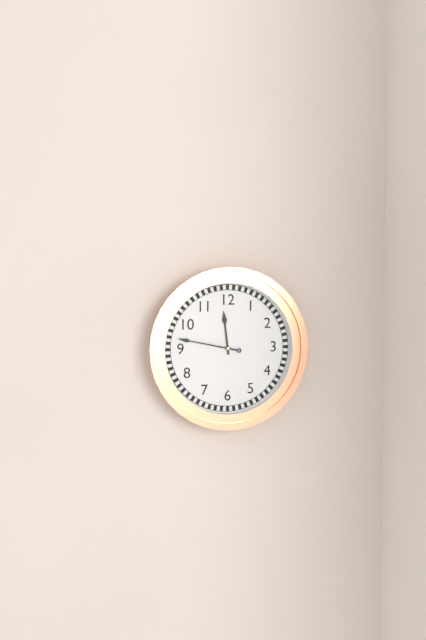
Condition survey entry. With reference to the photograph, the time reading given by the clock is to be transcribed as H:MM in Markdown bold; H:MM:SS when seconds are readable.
**11:47**
